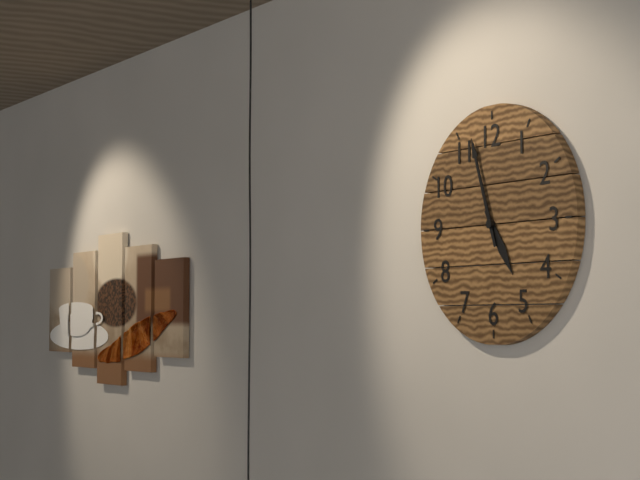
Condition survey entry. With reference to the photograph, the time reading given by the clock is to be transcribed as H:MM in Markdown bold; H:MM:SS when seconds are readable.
**4:57**
